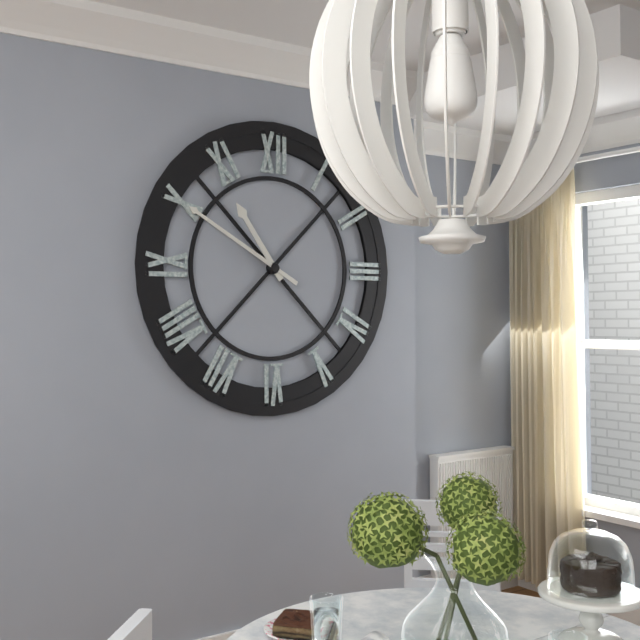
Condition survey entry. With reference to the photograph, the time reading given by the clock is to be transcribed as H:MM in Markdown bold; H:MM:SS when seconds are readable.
**10:50**
